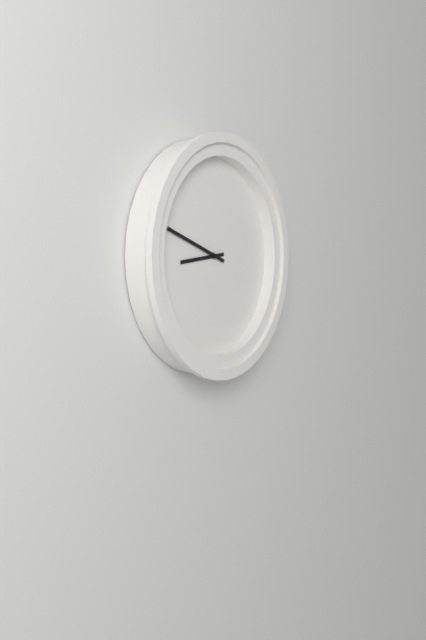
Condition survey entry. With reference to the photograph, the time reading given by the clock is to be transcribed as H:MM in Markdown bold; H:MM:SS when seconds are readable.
**8:48**
